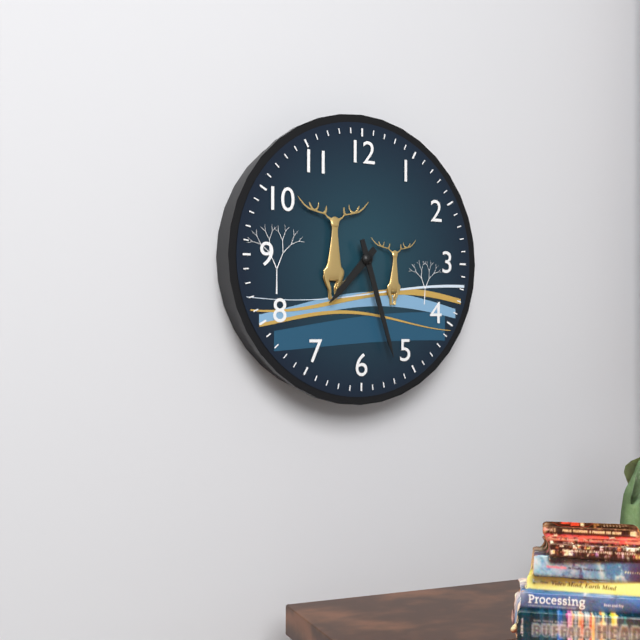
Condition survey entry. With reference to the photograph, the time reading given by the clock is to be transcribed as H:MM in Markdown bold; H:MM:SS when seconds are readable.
**7:27**
